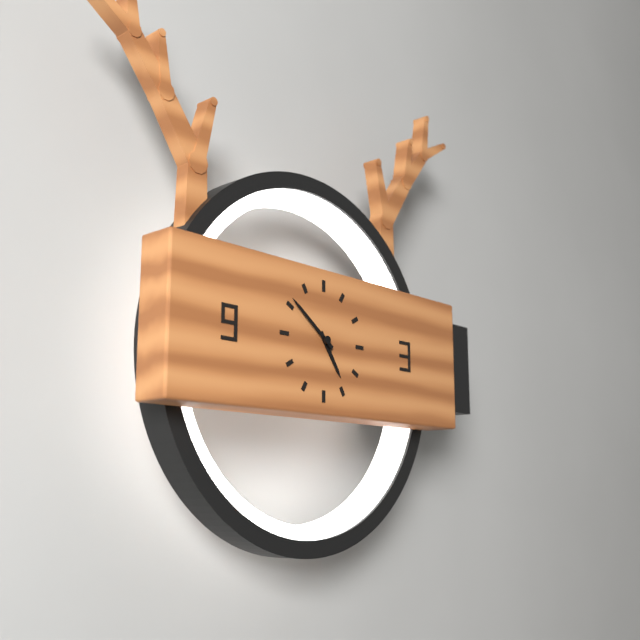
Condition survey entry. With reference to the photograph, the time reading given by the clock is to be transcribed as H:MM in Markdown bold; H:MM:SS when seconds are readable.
**4:51**
